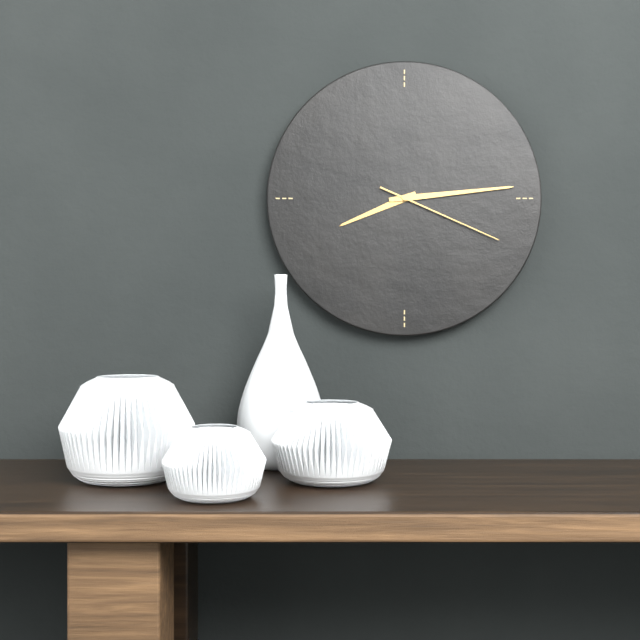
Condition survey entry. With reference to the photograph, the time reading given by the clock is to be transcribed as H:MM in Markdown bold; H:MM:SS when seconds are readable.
**8:14:19**
